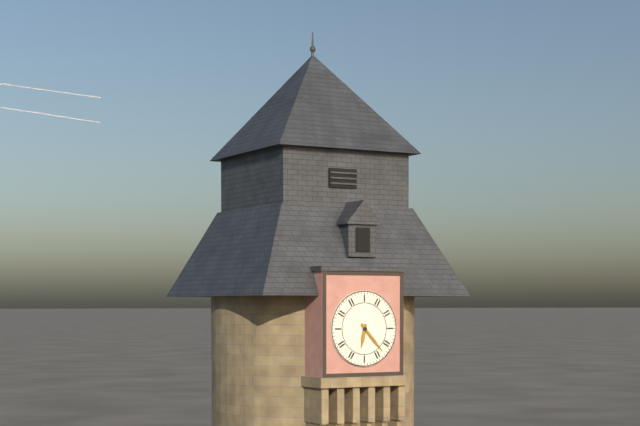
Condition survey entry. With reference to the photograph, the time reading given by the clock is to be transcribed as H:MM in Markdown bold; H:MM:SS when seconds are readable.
**6:23**
